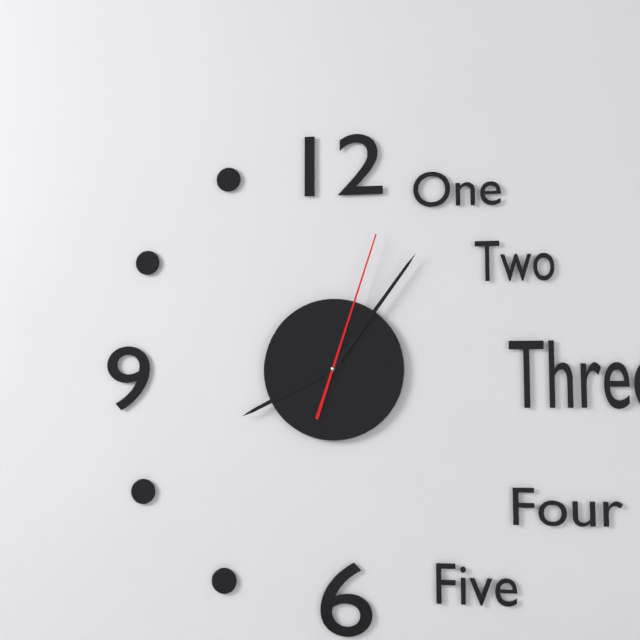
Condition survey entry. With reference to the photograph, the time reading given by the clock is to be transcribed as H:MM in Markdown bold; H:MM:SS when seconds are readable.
**8:06:03**
